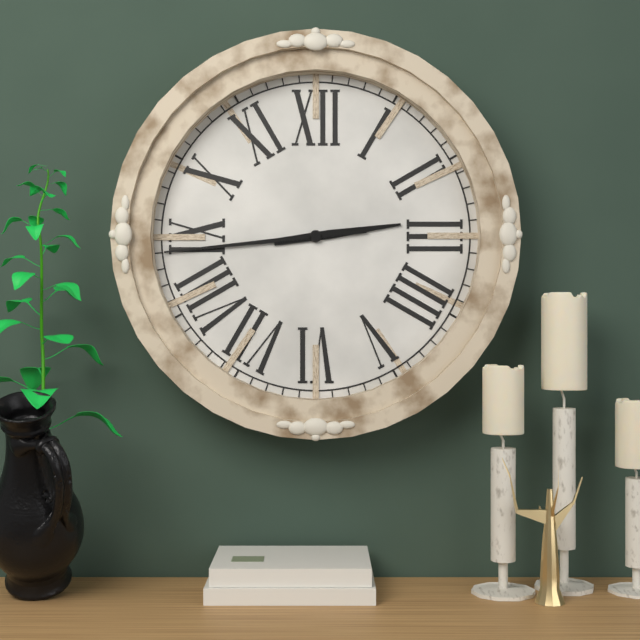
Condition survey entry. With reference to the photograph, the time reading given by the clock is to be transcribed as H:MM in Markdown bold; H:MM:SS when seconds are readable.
**2:44**
